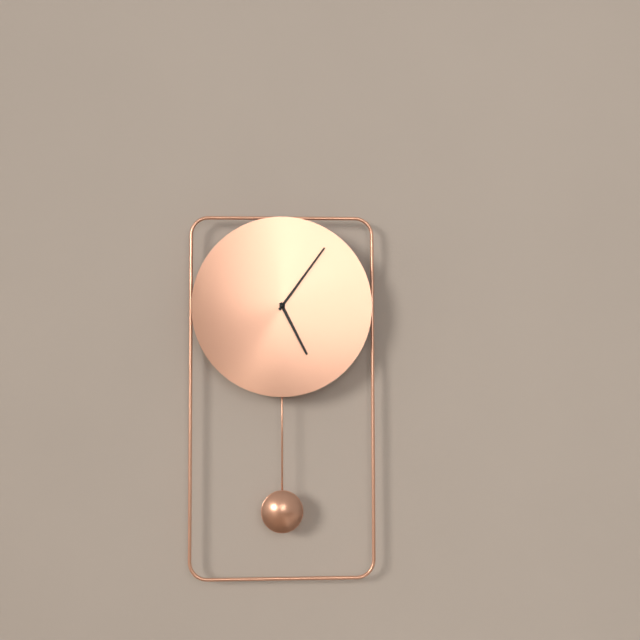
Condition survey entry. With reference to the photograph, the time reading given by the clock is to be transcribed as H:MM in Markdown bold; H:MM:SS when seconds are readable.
**5:06**
